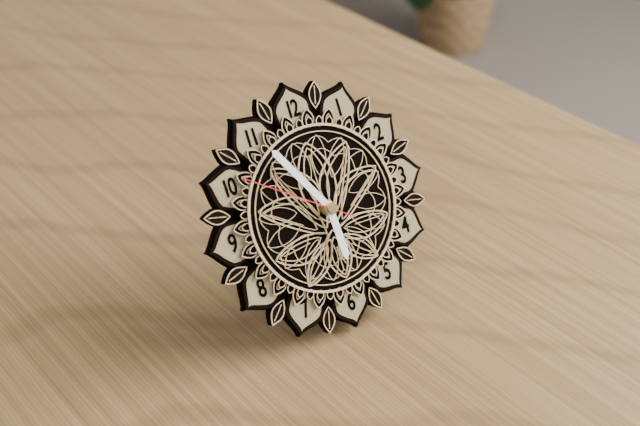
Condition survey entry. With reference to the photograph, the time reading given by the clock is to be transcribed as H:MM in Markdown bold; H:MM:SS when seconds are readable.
**5:55:51**
